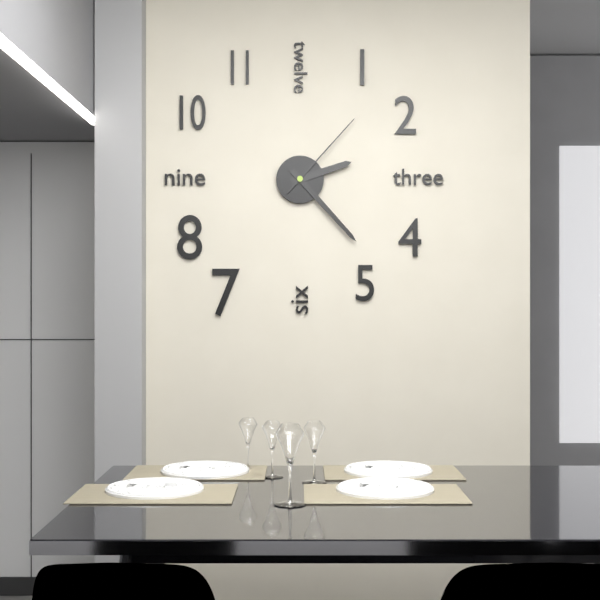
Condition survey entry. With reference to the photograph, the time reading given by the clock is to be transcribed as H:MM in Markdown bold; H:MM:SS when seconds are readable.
**2:23:07**
